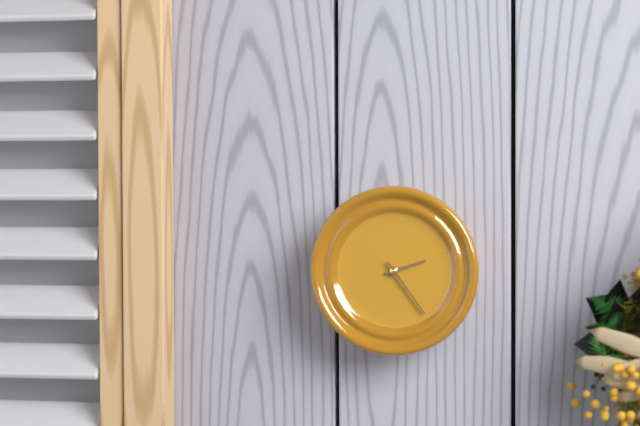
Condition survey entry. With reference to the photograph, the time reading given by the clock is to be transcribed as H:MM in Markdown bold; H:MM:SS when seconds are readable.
**2:24**
